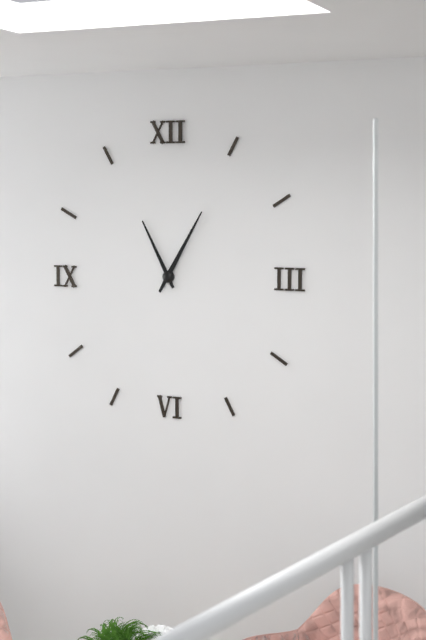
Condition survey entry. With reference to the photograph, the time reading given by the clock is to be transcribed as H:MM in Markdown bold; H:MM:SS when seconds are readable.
**11:05**
